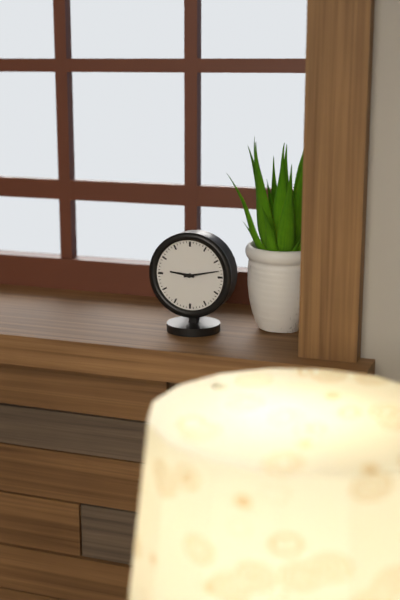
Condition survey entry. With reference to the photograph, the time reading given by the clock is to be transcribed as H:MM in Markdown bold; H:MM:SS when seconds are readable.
**9:13**
